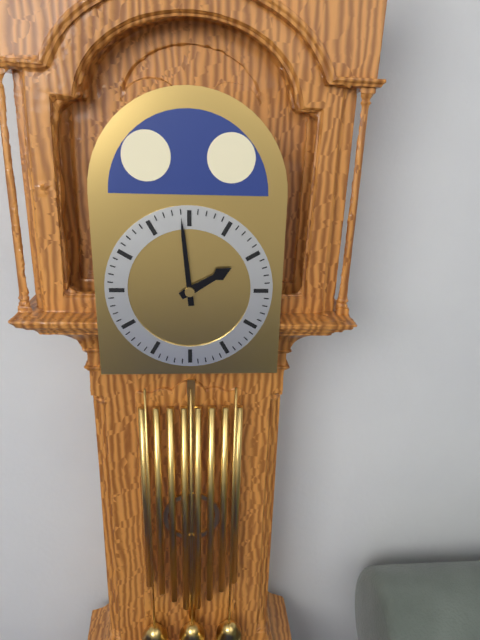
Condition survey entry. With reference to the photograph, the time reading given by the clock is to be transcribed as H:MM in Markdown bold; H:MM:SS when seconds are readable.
**1:59**
